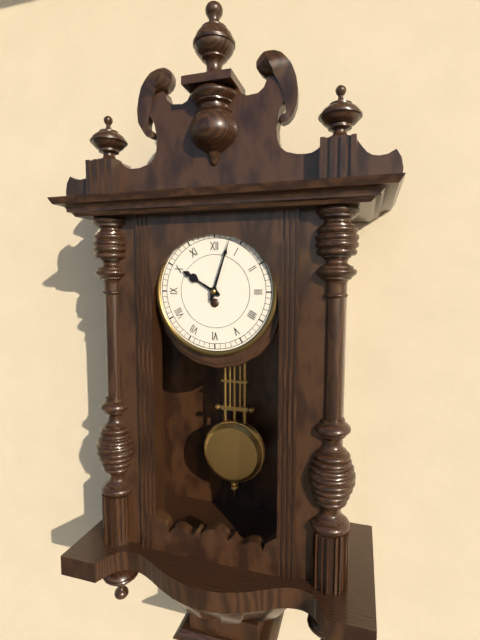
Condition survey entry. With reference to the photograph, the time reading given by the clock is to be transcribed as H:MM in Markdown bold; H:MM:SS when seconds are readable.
**10:03**
